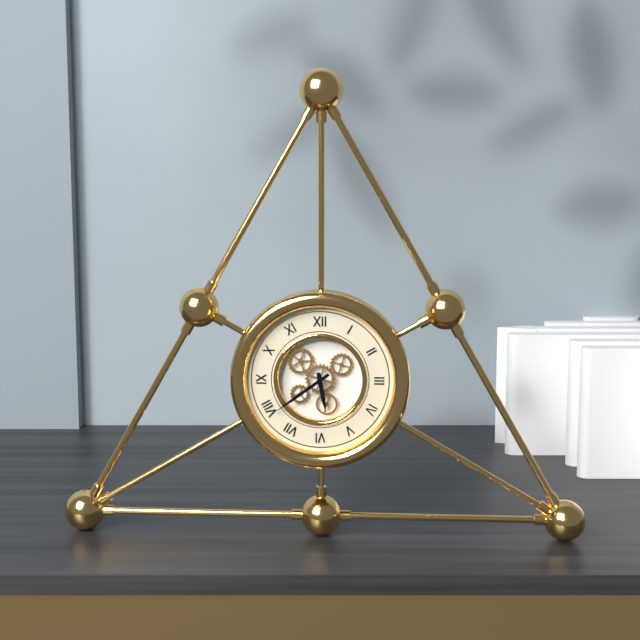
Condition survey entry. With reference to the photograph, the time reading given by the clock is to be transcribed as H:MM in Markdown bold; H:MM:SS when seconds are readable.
**5:39**
